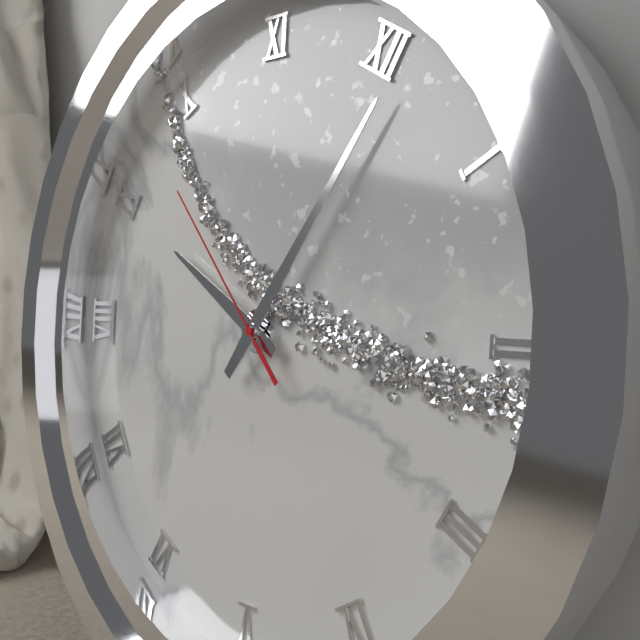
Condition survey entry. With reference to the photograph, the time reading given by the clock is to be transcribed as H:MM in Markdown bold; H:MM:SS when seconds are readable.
**9:01:48**
